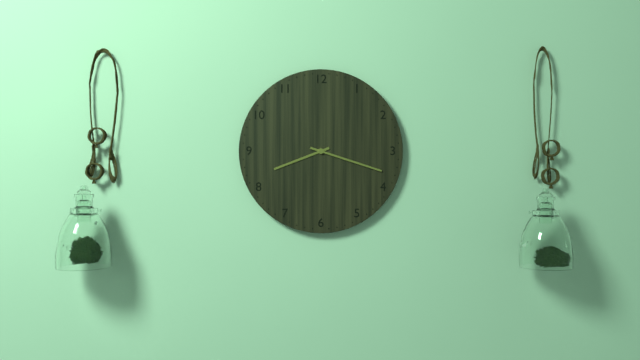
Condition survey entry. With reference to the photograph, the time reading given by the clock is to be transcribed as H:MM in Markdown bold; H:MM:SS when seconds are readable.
**8:18**
